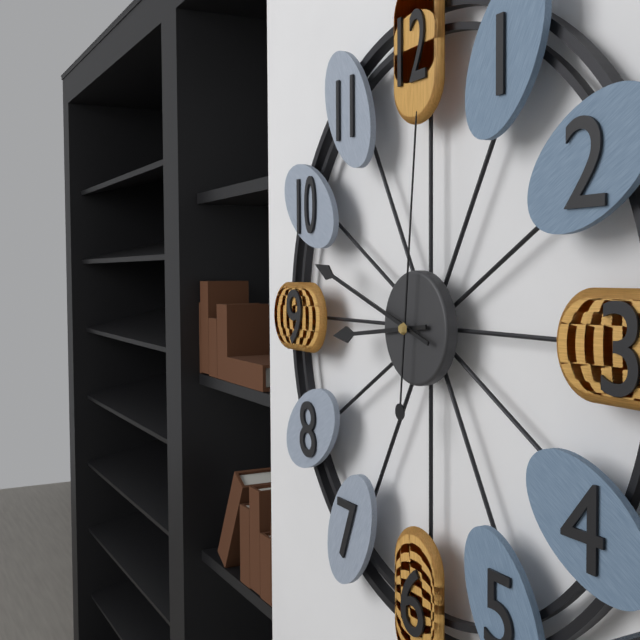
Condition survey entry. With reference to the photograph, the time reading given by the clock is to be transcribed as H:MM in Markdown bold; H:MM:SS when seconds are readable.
**8:48:01**
